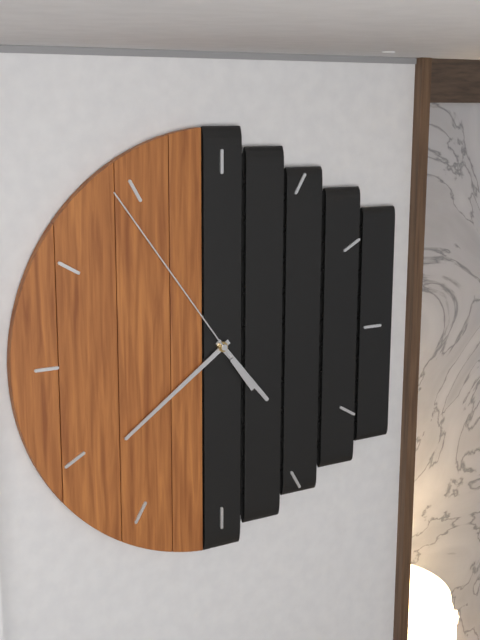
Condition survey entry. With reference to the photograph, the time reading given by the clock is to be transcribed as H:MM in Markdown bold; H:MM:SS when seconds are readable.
**4:39:54**
